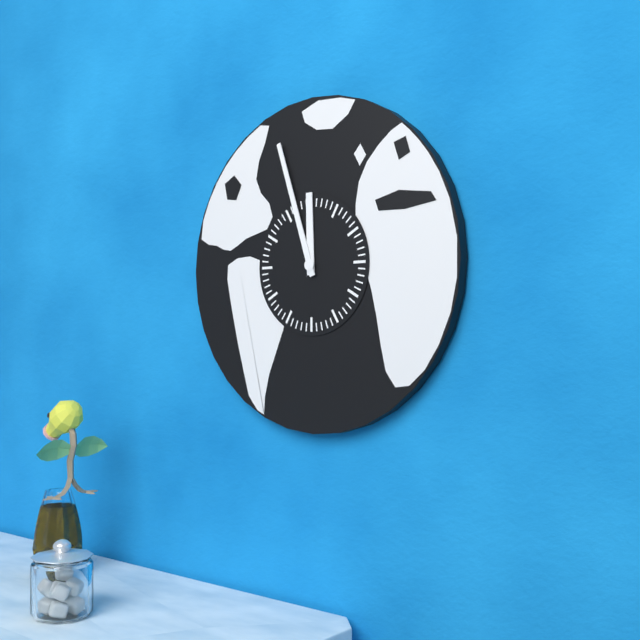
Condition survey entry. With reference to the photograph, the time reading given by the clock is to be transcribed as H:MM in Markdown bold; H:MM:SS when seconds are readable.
**11:57**
